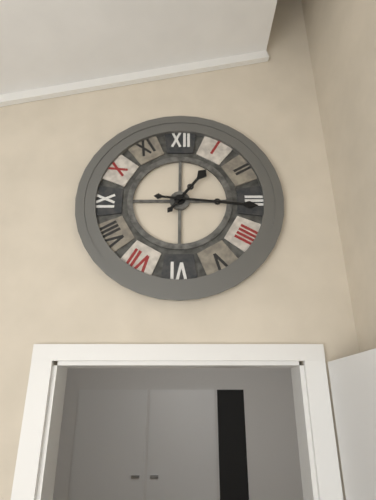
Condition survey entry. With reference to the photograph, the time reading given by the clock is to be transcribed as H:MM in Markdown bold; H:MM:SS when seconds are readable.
**1:16**
